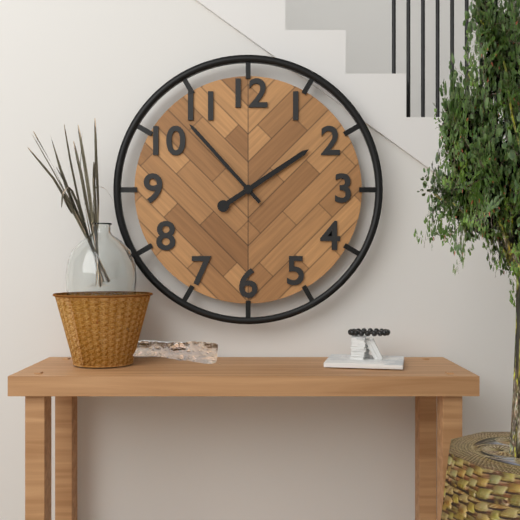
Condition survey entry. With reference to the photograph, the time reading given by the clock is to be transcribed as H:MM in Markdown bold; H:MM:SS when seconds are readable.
**1:53**
